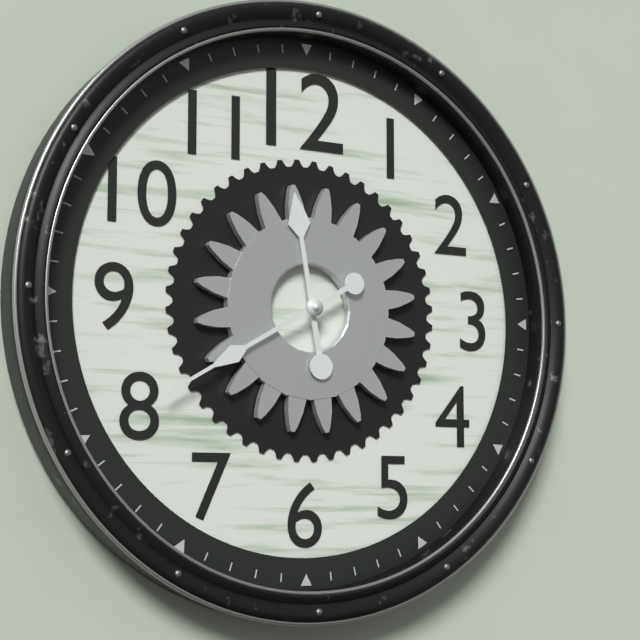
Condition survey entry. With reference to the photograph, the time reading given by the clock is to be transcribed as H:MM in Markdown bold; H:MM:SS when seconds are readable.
**11:40**
